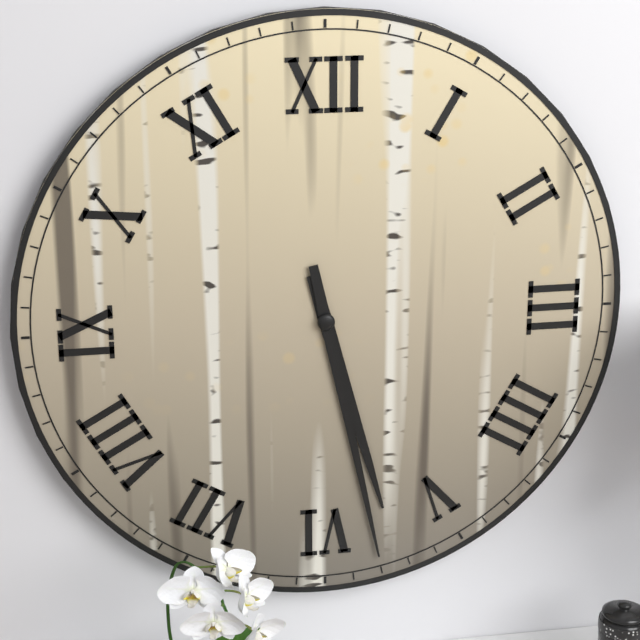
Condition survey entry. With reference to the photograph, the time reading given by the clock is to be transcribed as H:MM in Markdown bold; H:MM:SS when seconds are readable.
**5:28**
